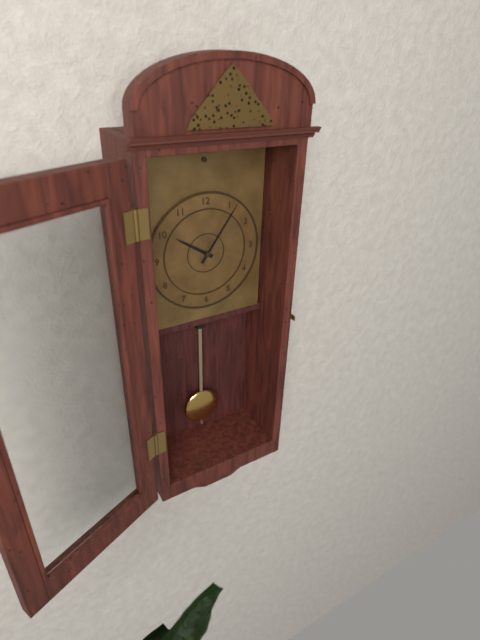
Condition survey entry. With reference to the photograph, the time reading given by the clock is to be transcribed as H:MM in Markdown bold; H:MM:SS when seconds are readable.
**10:06**
